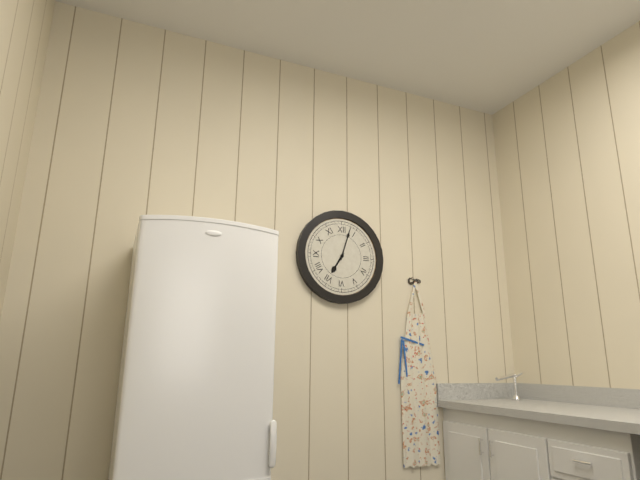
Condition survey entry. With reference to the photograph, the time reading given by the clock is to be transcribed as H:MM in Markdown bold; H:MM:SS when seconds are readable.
**7:03**
